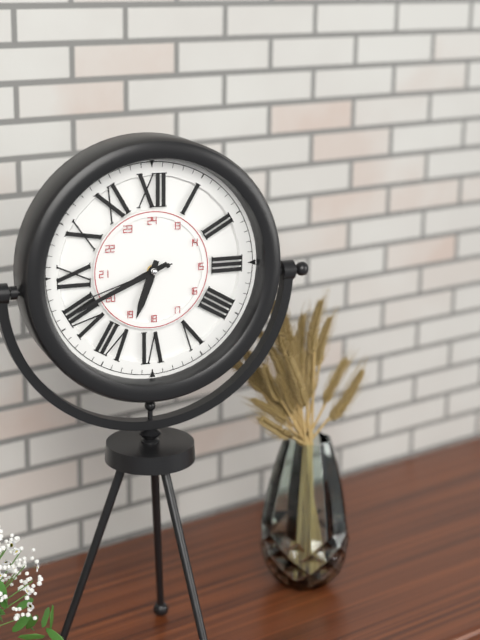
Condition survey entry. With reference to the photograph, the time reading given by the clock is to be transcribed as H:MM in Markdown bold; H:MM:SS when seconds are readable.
**6:41:42**
